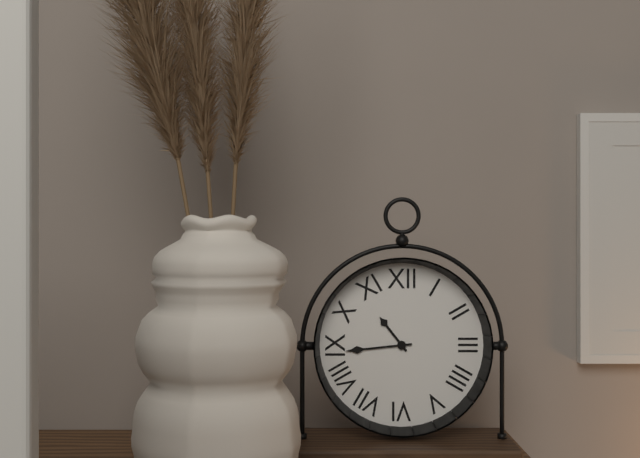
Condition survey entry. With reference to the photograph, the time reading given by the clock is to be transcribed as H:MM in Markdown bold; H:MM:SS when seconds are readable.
**10:44**
